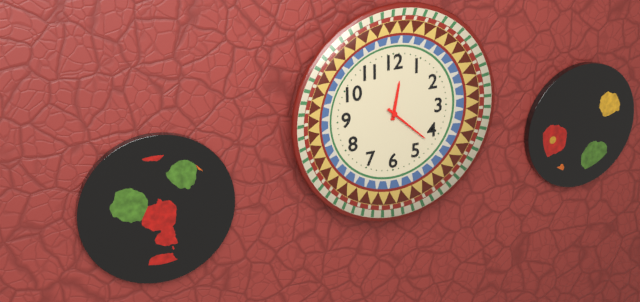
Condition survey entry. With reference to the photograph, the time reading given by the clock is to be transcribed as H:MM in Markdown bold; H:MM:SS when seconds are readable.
**12:22**
